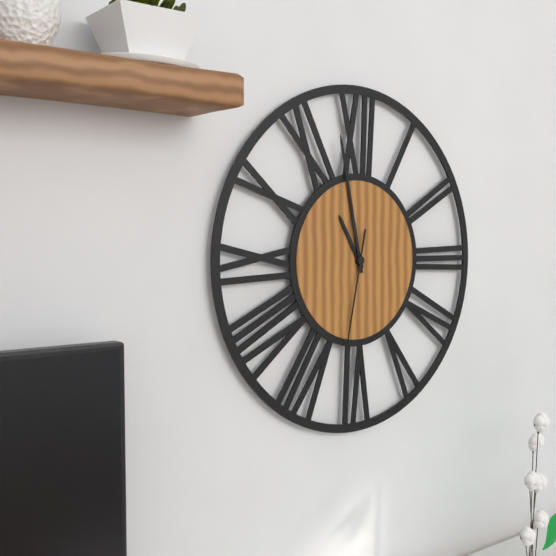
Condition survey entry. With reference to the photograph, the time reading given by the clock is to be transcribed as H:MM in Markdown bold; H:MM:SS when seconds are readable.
**10:58:32**
